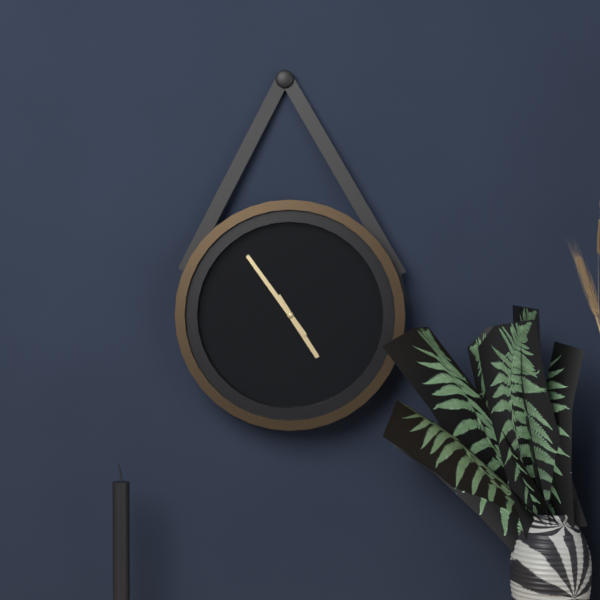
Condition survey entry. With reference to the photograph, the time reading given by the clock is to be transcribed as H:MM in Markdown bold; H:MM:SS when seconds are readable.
**4:54**
